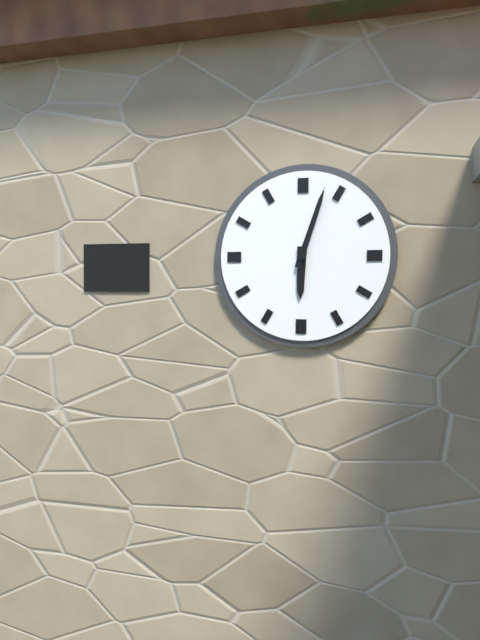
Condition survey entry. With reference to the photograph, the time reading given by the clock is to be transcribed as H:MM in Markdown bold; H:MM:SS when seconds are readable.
**6:03**
